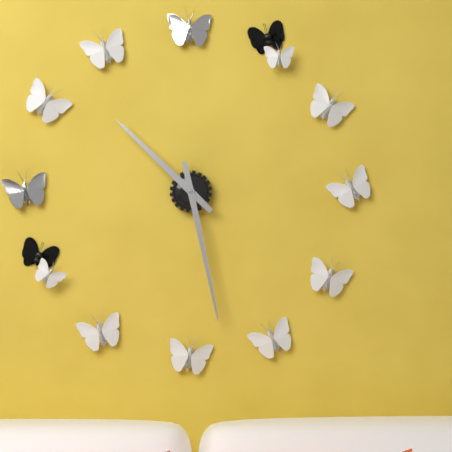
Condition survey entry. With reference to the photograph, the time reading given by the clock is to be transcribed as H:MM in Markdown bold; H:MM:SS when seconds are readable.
**10:28**
